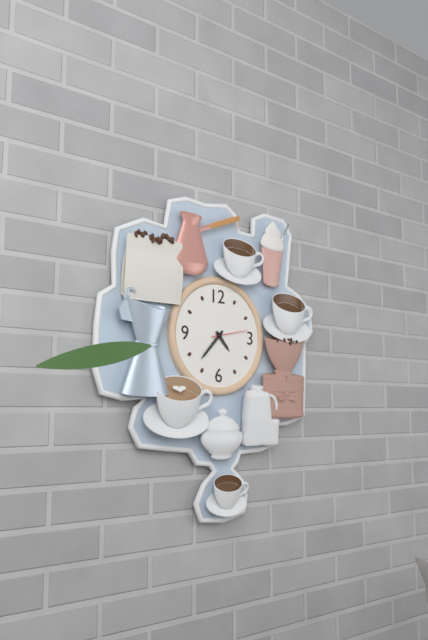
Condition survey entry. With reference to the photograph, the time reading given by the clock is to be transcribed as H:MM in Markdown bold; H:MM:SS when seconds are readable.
**4:37**
